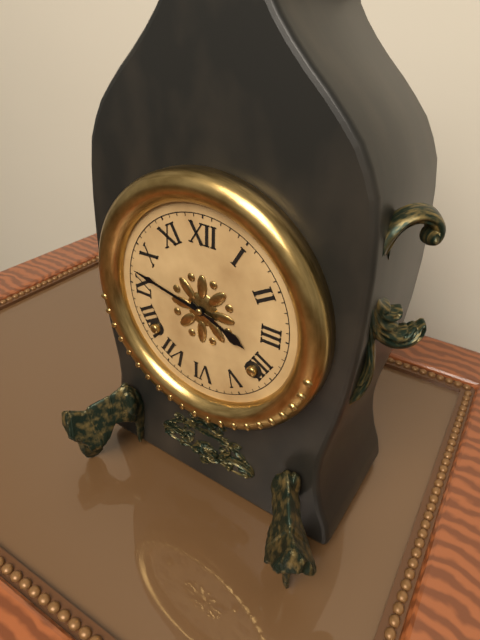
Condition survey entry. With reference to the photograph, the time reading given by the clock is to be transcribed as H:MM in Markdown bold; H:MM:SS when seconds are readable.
**3:47**
